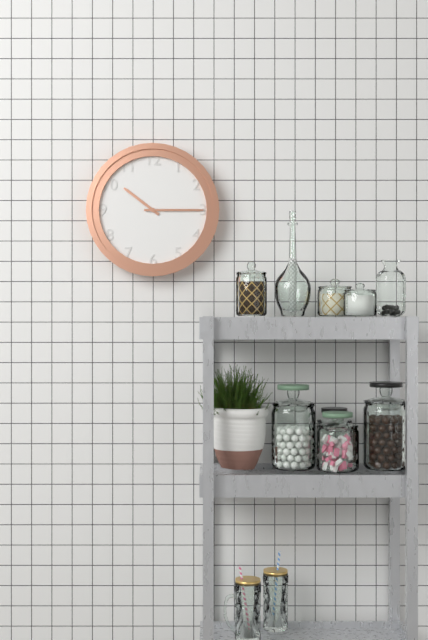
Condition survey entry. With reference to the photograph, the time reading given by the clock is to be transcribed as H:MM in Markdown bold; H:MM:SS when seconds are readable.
**10:15**
